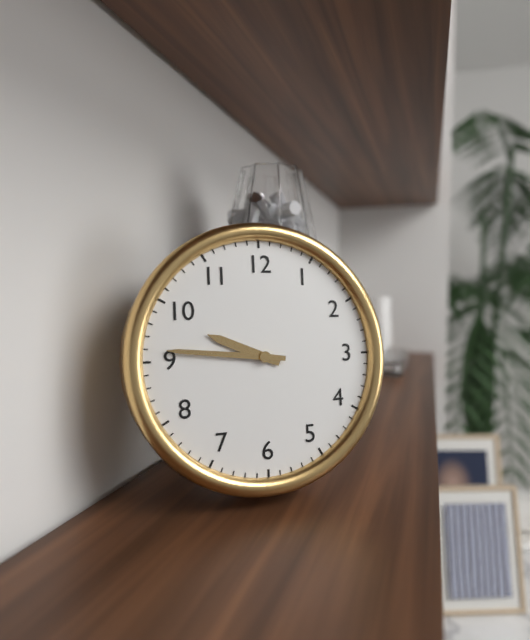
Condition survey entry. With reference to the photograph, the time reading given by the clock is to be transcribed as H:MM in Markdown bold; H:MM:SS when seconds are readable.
**9:46**
